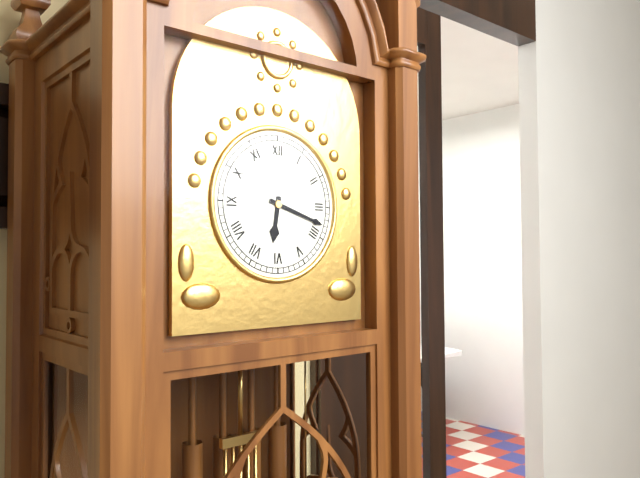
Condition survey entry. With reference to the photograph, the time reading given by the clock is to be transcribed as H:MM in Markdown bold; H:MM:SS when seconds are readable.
**6:18**
